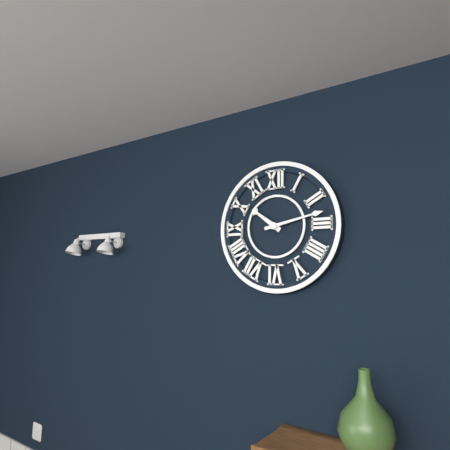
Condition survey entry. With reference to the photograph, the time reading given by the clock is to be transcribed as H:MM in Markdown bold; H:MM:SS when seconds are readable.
**10:13**
